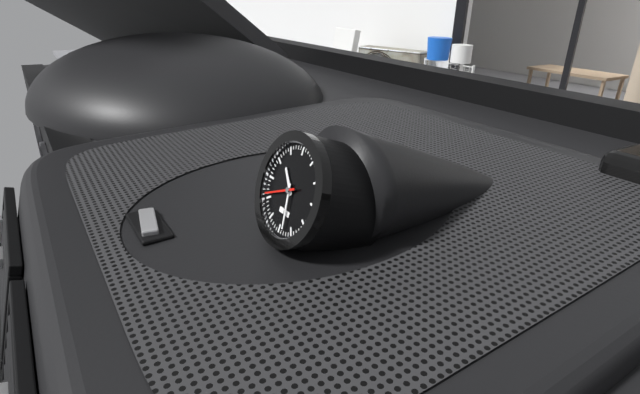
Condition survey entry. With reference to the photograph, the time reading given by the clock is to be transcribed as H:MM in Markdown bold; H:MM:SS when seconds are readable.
**10:28**
